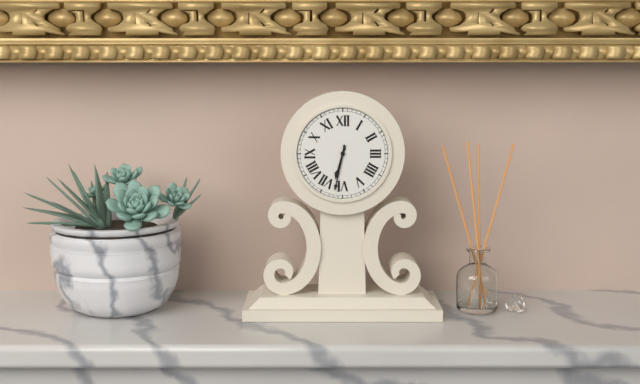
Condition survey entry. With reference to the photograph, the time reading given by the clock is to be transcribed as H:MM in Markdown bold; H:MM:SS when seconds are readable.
**6:32**
